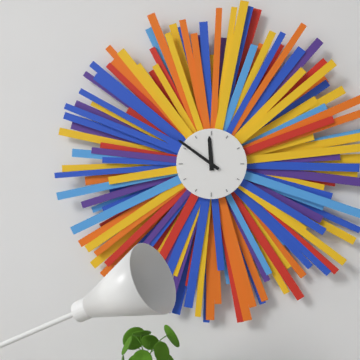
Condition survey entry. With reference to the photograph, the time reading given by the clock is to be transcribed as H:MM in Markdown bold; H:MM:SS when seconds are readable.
**11:51**
